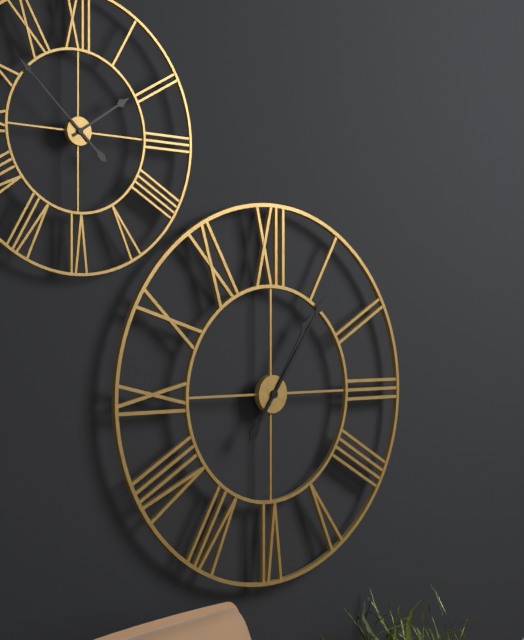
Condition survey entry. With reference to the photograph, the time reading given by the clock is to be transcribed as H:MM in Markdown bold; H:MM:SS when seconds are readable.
**1:06**
